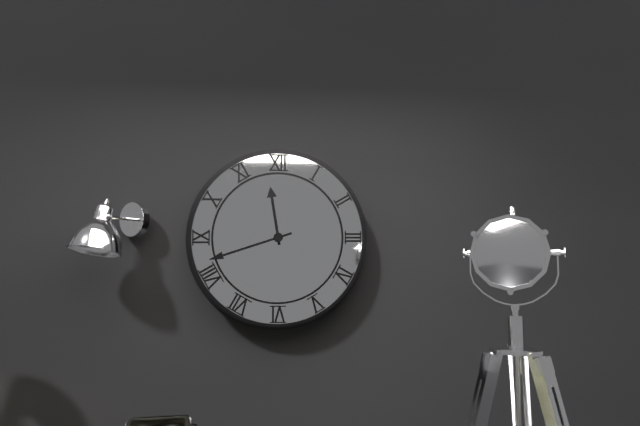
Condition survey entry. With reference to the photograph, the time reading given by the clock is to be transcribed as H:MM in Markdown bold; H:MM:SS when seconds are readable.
**11:42**
